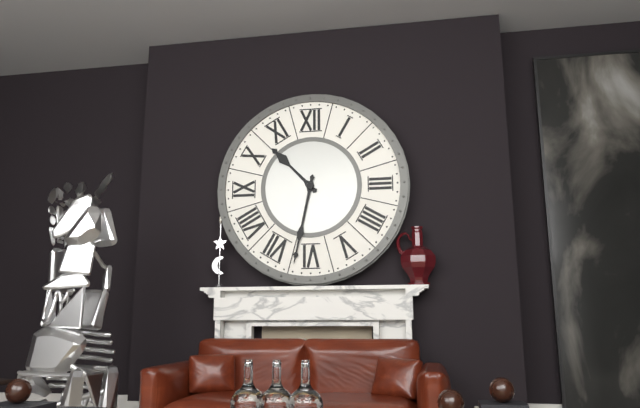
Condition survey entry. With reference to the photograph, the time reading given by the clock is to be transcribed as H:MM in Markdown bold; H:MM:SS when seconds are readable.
**10:32**
